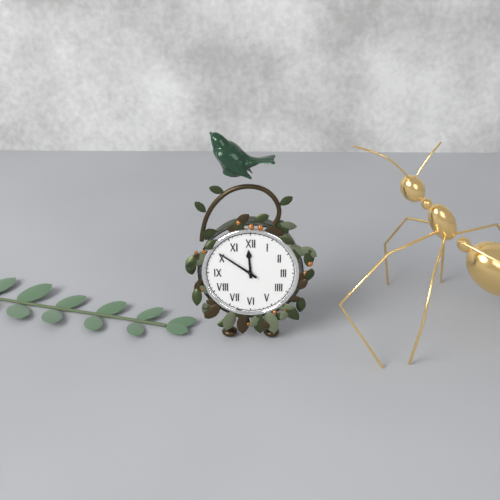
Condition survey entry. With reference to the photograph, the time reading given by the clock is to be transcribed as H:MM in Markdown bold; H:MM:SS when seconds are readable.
**11:51**
